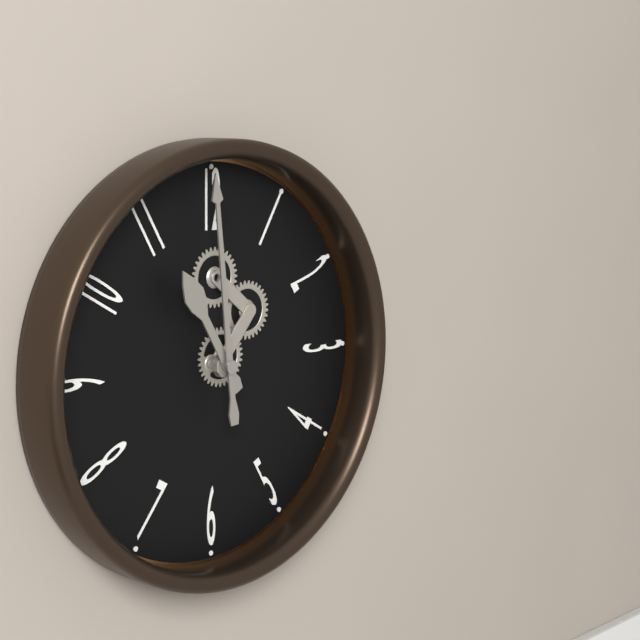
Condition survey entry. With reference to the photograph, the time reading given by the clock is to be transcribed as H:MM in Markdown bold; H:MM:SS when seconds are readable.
**10:59**
